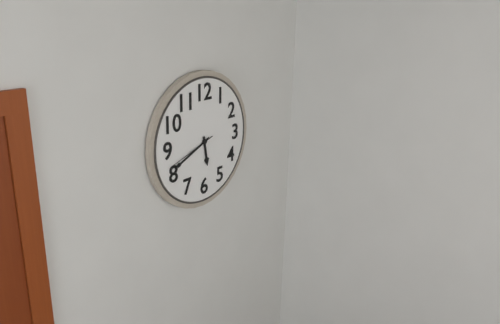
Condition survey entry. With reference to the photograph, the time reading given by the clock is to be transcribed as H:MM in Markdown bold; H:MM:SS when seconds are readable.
**5:41:42**
